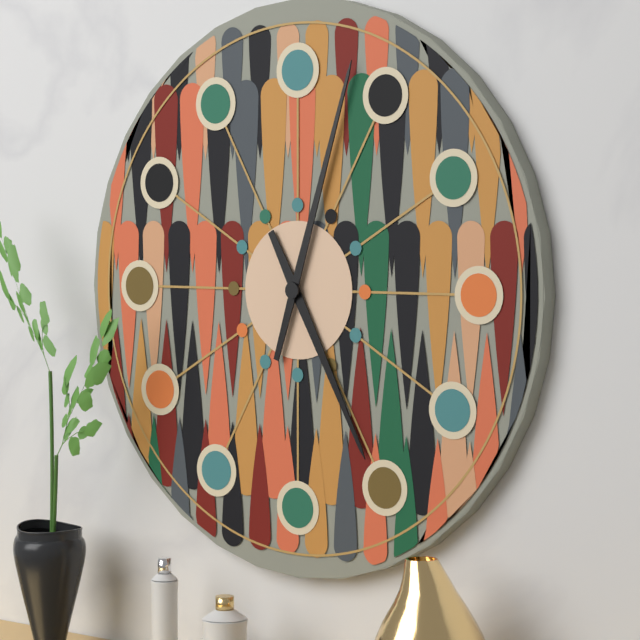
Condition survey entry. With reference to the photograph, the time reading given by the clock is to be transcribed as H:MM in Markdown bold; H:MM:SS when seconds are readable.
**5:03**
